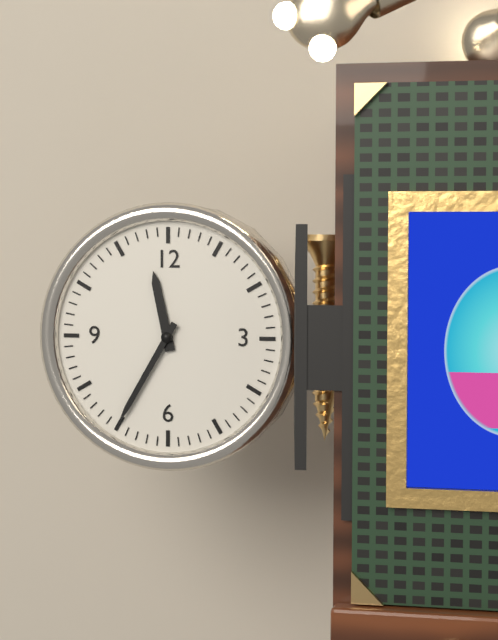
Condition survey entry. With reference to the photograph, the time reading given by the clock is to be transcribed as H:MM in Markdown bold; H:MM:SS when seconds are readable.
**11:35**
